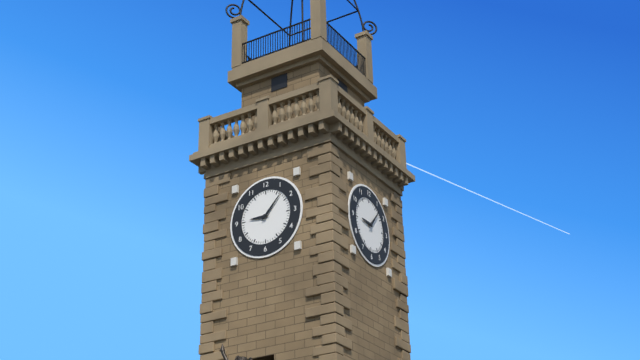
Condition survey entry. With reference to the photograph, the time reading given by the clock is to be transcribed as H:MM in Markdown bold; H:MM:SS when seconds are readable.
**9:07**
